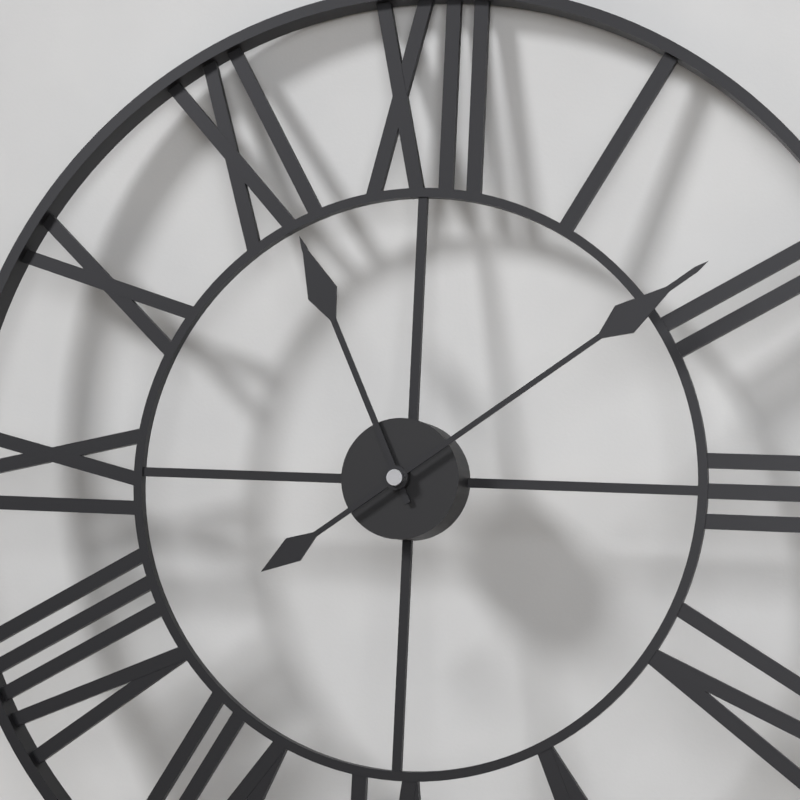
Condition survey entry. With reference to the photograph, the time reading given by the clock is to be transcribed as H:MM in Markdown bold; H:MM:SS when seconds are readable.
**11:09**
